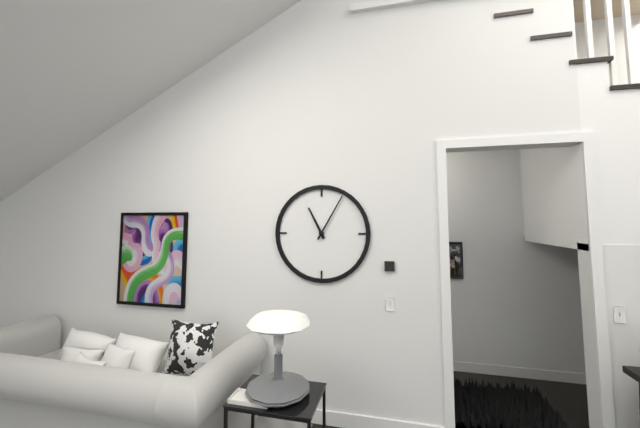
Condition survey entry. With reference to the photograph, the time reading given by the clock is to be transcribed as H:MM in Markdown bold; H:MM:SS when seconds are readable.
**11:05**
